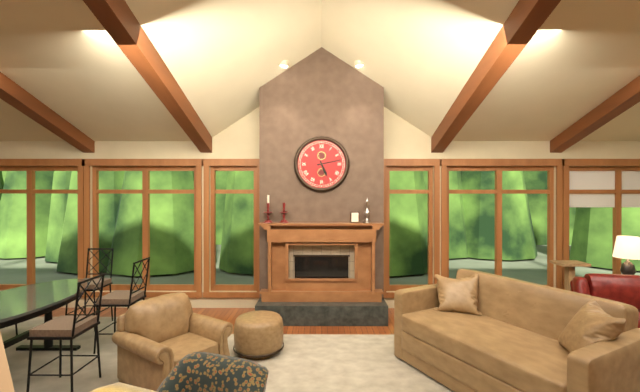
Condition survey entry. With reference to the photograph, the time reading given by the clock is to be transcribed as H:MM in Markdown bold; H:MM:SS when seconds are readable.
**5:13**
